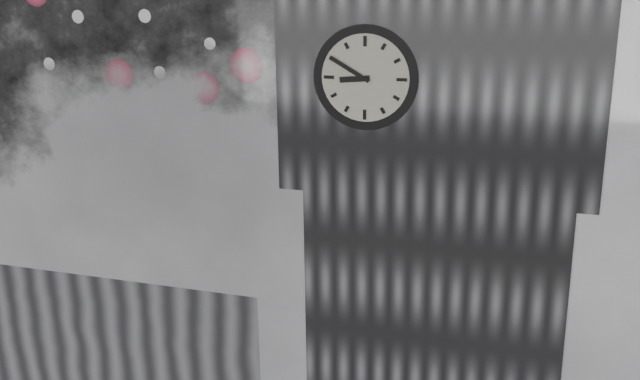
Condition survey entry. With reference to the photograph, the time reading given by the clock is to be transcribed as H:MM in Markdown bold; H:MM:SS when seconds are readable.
**8:50**
